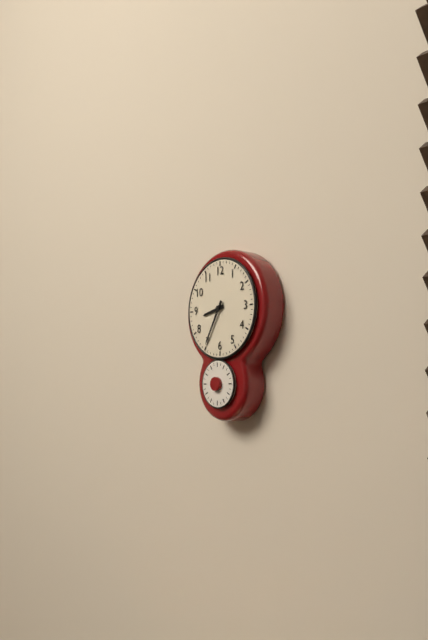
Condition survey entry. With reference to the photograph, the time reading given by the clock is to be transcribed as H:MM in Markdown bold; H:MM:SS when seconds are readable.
**8:35**
